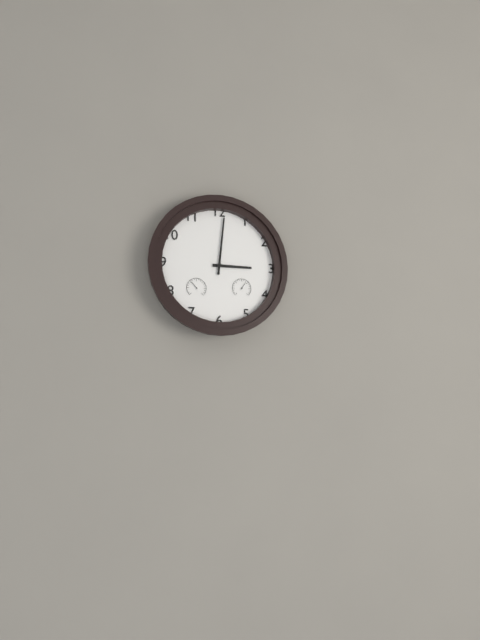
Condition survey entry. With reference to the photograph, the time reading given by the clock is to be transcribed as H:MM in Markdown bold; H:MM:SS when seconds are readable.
**3:01**
